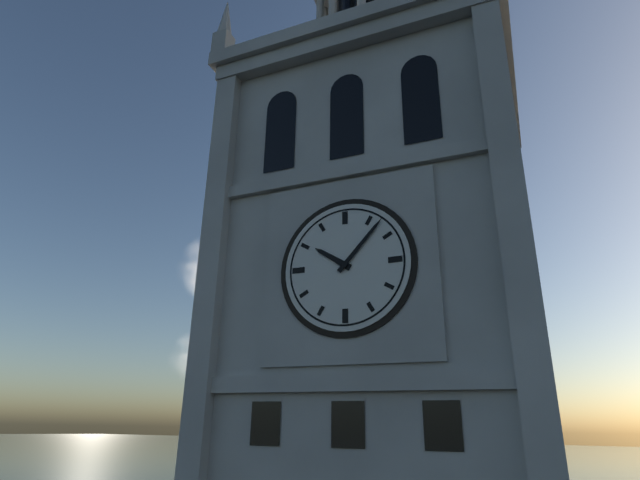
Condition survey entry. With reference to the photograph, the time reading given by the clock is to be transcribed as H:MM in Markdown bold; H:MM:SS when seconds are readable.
**10:07**
